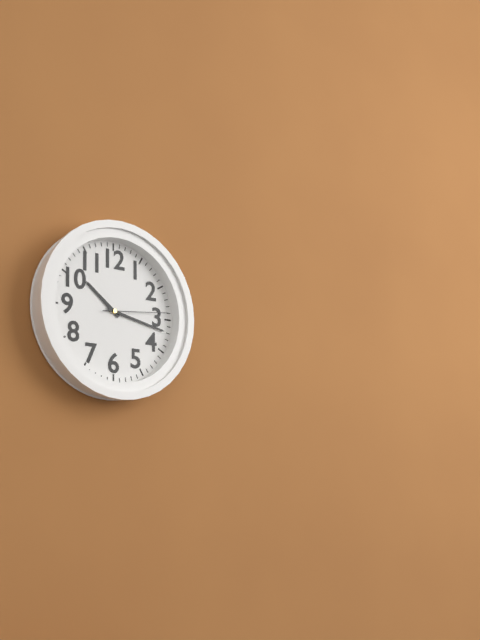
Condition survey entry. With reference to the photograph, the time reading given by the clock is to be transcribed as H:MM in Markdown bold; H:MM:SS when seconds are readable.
**10:17:14**
